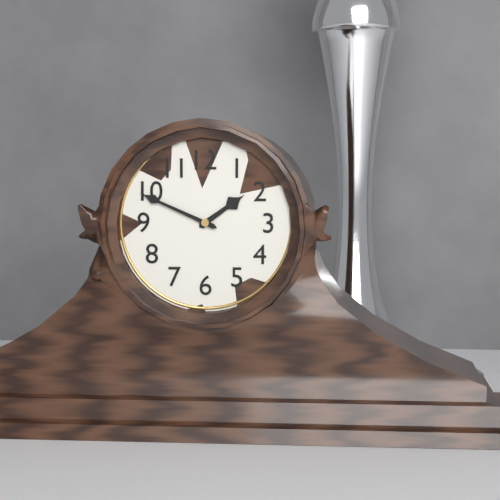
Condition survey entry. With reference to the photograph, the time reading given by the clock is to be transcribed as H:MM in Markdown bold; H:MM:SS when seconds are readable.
**1:49**
